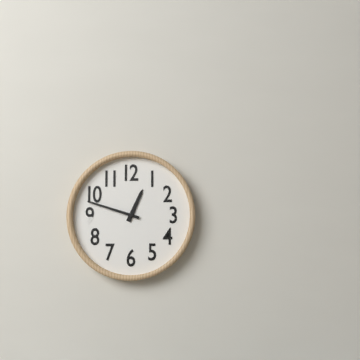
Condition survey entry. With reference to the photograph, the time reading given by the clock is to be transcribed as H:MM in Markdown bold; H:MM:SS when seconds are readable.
**12:48**
